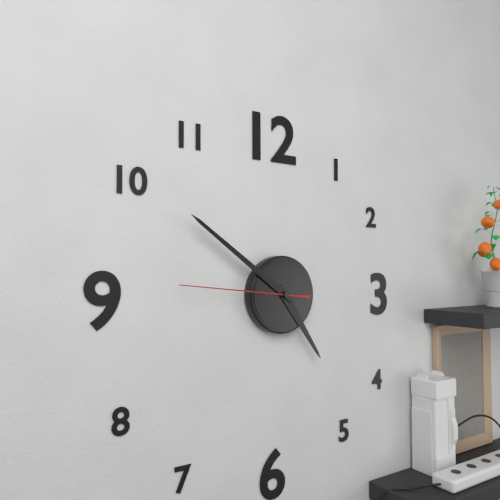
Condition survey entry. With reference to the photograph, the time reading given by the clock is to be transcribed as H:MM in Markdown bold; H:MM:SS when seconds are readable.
**4:51:46**
